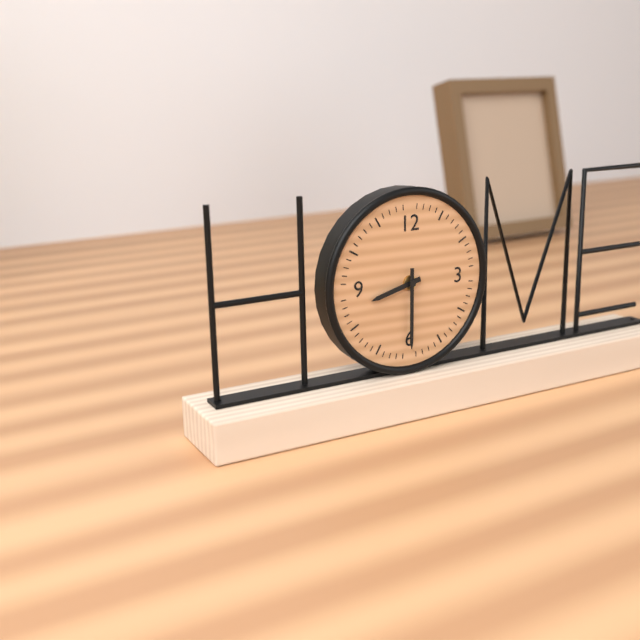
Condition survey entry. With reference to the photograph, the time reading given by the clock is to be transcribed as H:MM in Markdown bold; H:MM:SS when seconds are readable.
**8:30**
